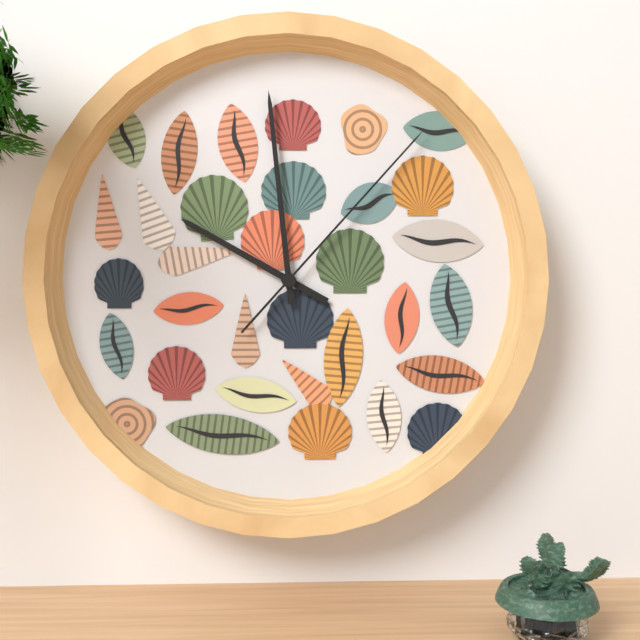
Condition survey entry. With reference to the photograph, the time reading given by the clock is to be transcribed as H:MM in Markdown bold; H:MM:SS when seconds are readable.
**9:59:07**
